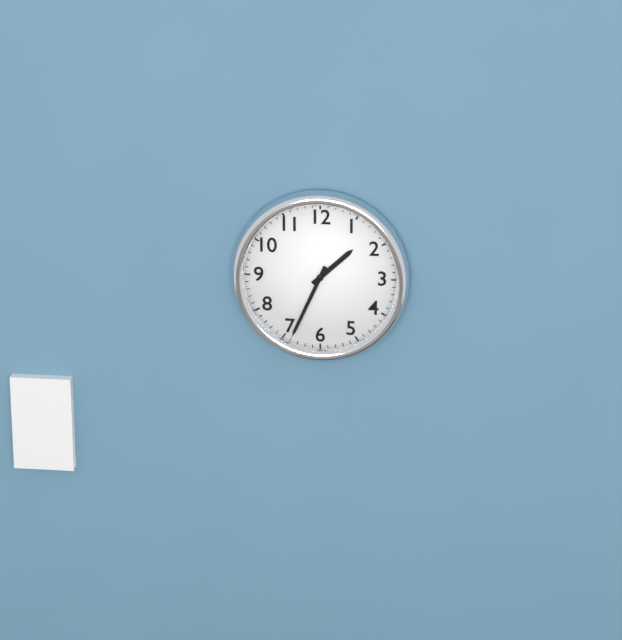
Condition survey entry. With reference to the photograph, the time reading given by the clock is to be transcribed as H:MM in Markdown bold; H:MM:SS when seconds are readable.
**1:34**
